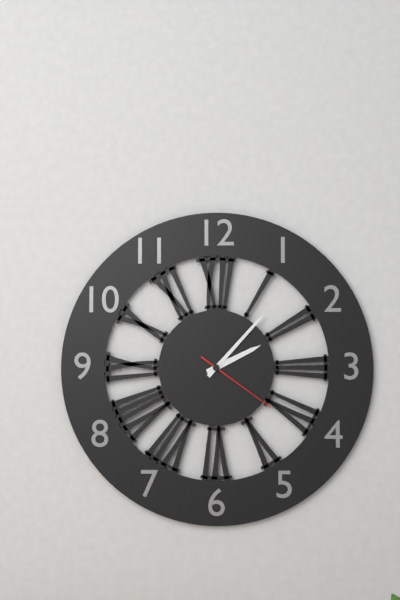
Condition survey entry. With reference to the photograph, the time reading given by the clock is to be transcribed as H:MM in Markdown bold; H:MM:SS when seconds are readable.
**2:07:21**
